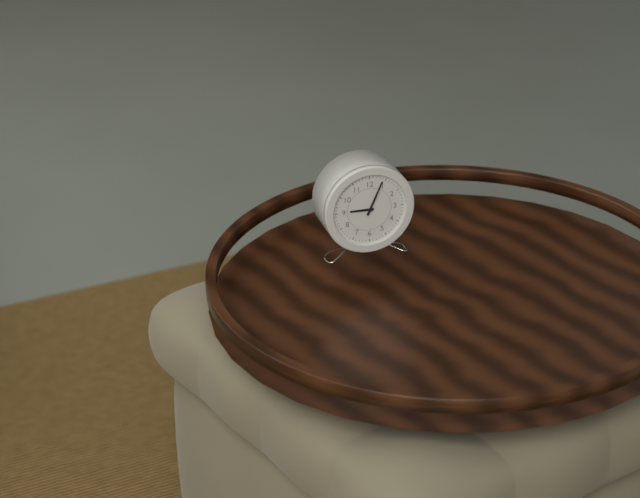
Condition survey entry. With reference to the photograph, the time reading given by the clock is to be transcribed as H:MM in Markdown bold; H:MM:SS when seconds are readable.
**9:04**
